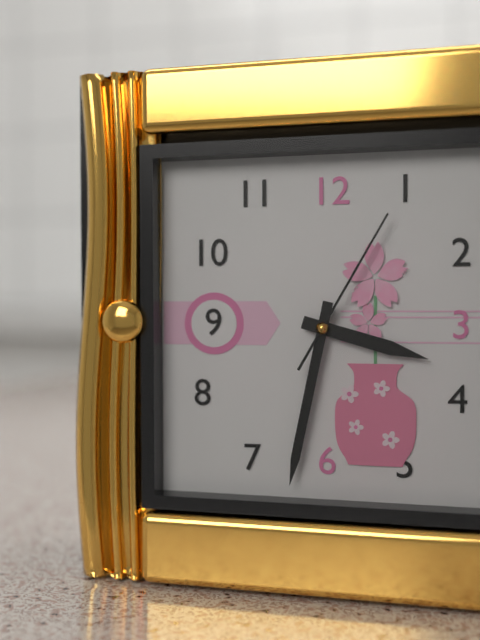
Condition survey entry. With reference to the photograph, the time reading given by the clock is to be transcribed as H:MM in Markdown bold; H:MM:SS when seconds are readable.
**3:32:05**
